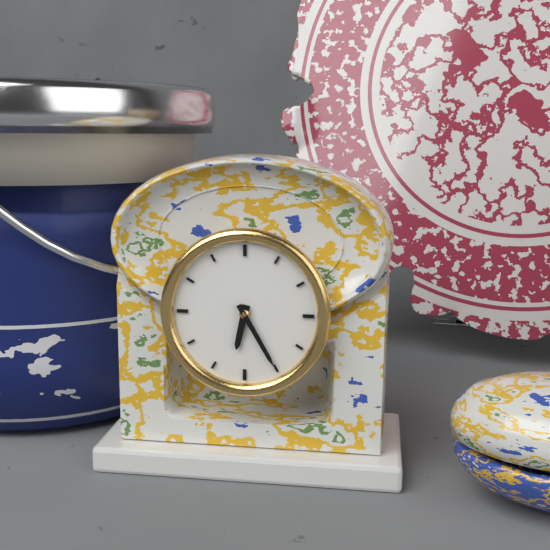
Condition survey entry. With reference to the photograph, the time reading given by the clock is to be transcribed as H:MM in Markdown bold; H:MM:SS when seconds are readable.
**6:25**
